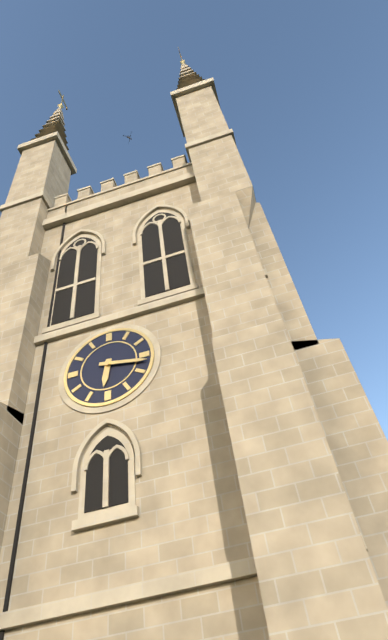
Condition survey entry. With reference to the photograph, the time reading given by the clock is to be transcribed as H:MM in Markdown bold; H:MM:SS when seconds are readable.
**6:17**
